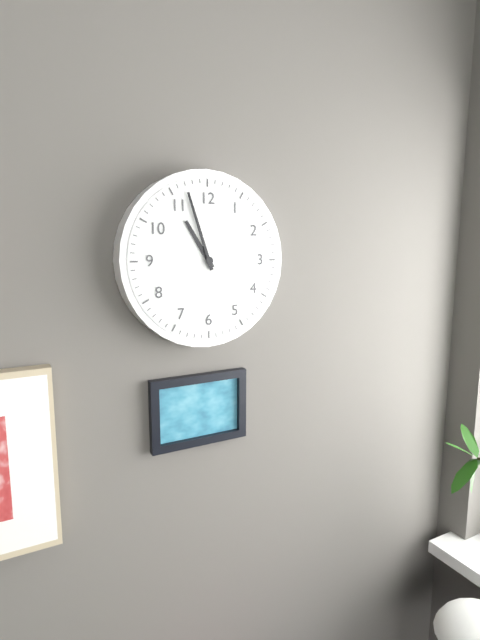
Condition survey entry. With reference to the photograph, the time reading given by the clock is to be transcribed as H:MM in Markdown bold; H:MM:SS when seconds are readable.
**10:57**
